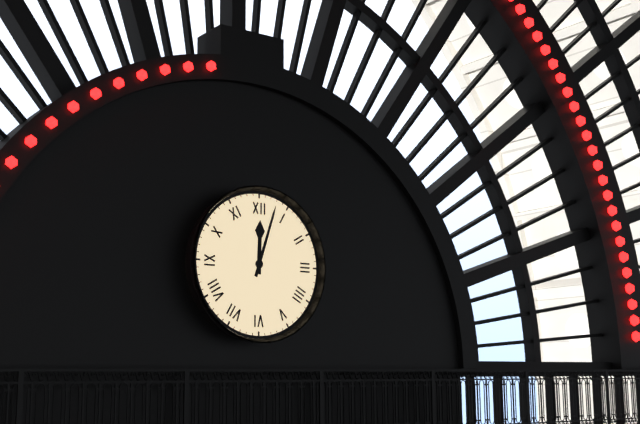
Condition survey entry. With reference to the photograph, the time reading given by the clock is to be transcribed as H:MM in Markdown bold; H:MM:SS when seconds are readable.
**12:03**
